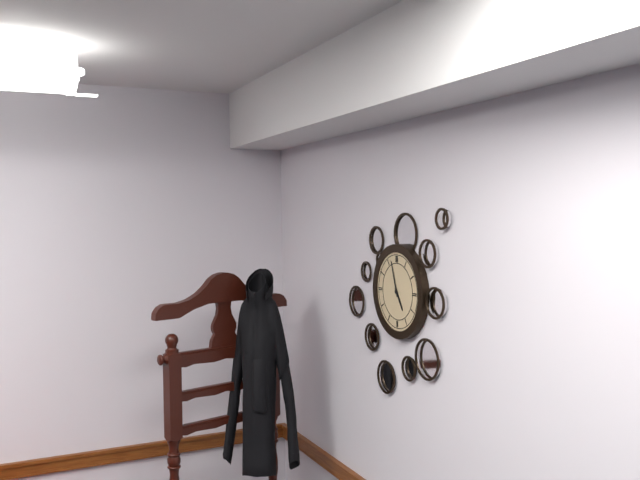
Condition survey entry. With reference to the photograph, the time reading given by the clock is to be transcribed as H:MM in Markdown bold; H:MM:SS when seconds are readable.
**4:57**
